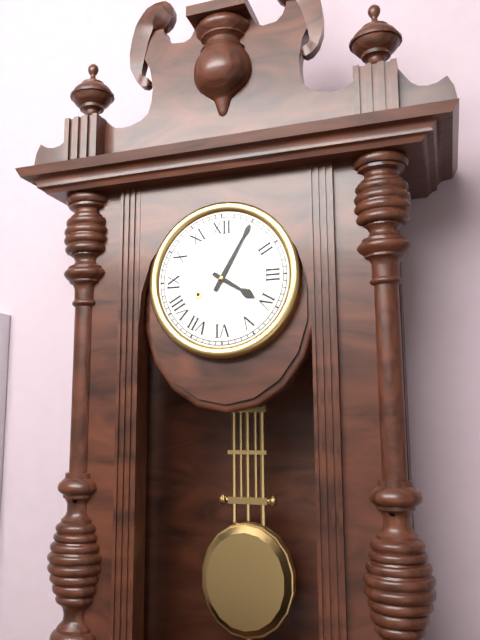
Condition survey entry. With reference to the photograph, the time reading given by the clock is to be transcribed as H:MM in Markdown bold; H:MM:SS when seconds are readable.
**4:05**
